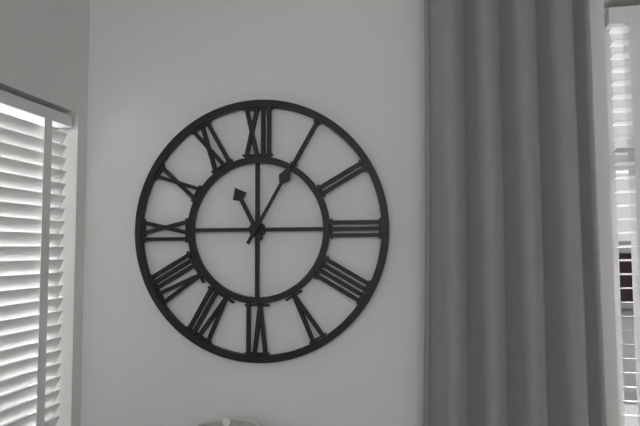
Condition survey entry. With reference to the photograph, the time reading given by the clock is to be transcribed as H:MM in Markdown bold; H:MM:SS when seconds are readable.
**11:05**
